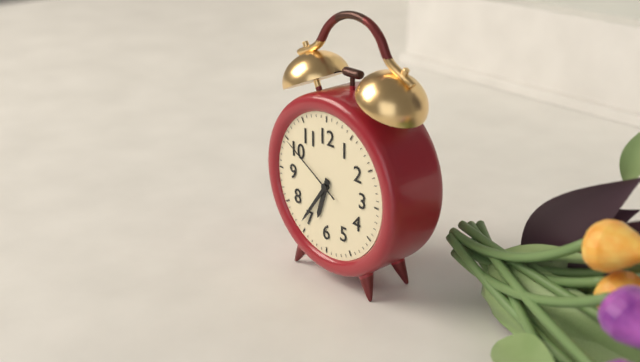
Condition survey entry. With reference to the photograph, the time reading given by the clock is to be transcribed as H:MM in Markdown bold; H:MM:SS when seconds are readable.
**6:36:50**
